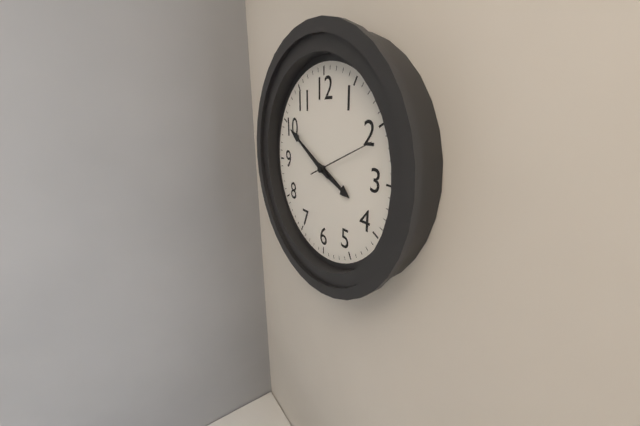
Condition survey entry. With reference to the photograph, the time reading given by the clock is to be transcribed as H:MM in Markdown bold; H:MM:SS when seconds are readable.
**3:50:11**
